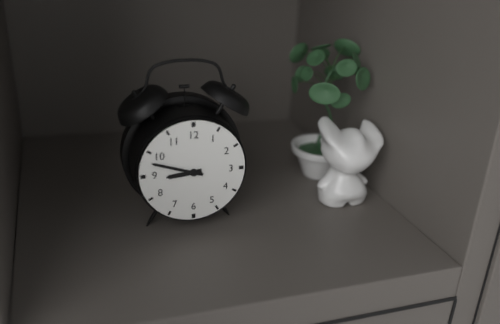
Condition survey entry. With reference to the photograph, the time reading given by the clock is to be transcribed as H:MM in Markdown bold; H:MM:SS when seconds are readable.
**8:48**
